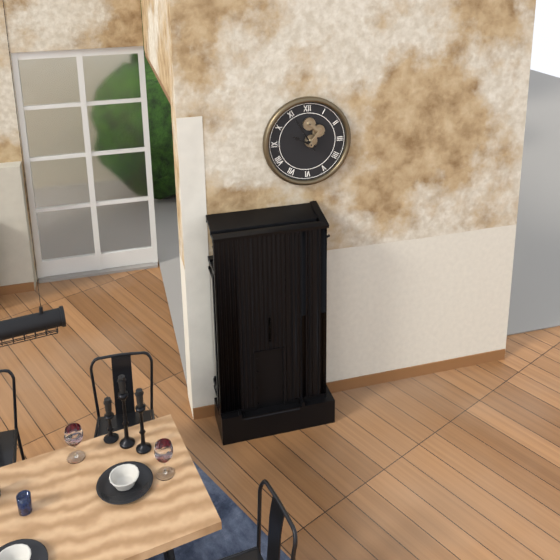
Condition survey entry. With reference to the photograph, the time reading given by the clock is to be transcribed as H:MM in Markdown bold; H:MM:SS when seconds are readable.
**9:55**
